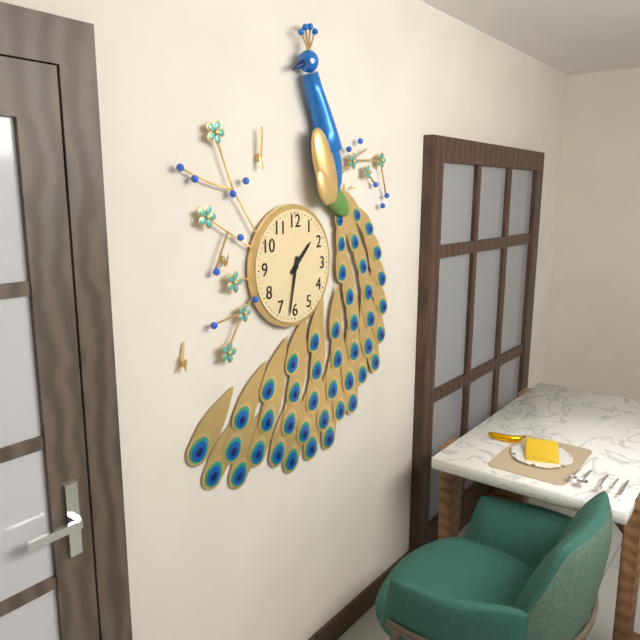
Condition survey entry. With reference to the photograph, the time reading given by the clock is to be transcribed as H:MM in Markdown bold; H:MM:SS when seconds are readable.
**1:32**
